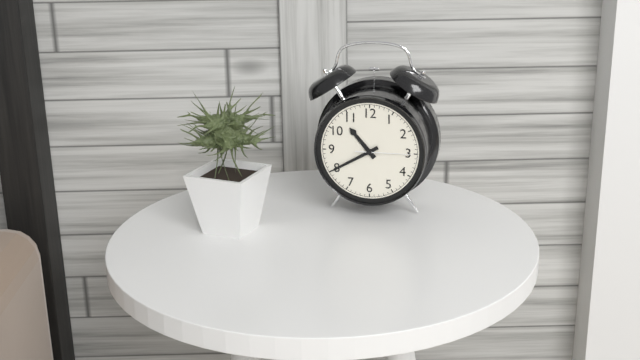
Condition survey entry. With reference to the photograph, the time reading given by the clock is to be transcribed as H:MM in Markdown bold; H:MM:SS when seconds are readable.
**10:40:15**
